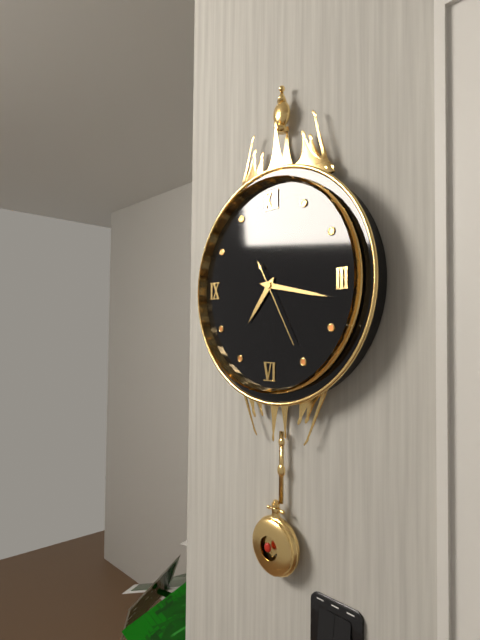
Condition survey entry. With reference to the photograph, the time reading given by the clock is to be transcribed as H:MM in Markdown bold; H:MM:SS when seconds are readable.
**7:17:25**
